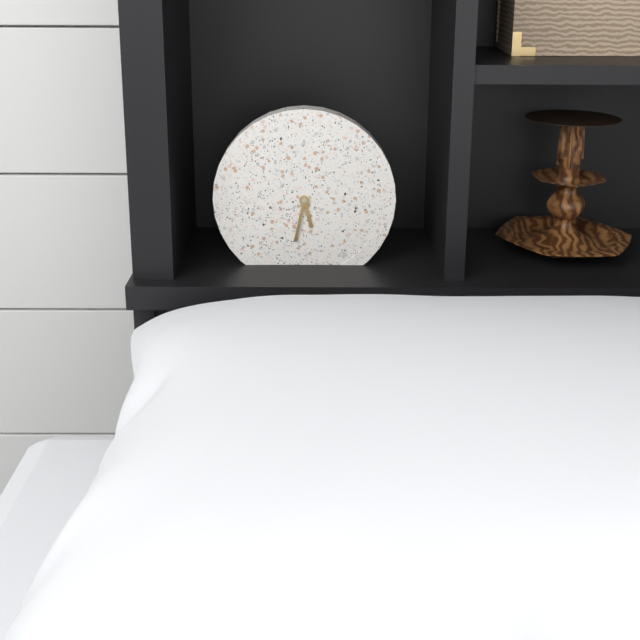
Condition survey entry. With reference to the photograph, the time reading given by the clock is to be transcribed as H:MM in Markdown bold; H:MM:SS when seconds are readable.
**5:32**
